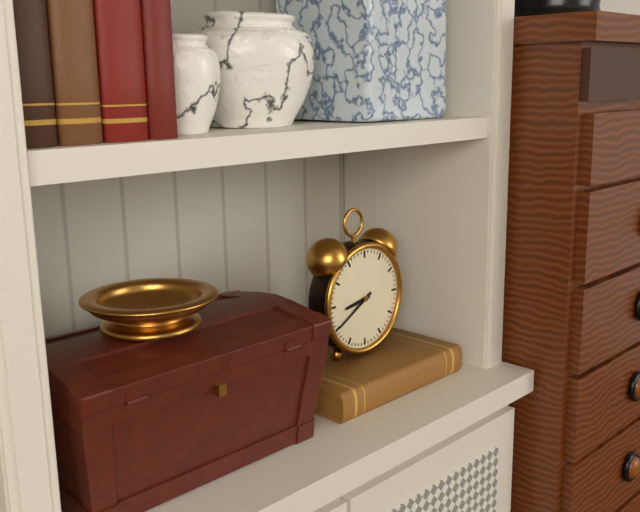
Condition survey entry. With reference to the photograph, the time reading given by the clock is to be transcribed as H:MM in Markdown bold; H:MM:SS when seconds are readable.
**8:40**
